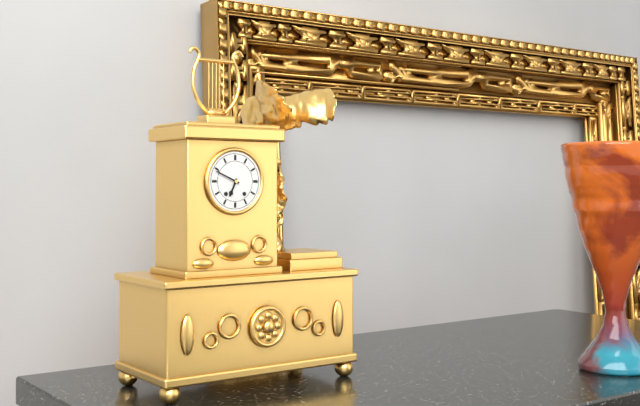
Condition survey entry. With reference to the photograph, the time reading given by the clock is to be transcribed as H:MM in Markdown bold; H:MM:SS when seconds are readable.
**6:49**
